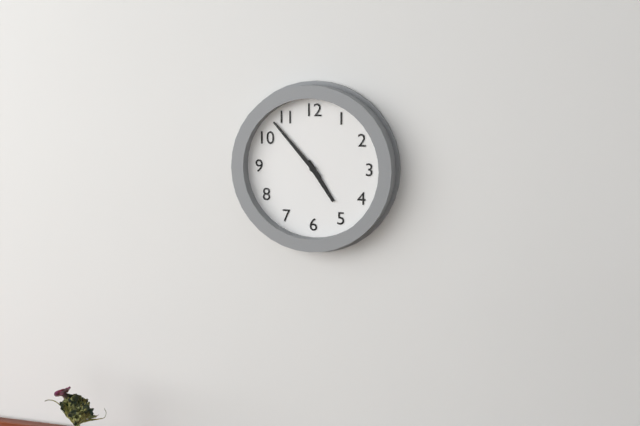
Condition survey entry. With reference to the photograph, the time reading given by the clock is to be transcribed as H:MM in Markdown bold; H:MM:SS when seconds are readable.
**4:53**
